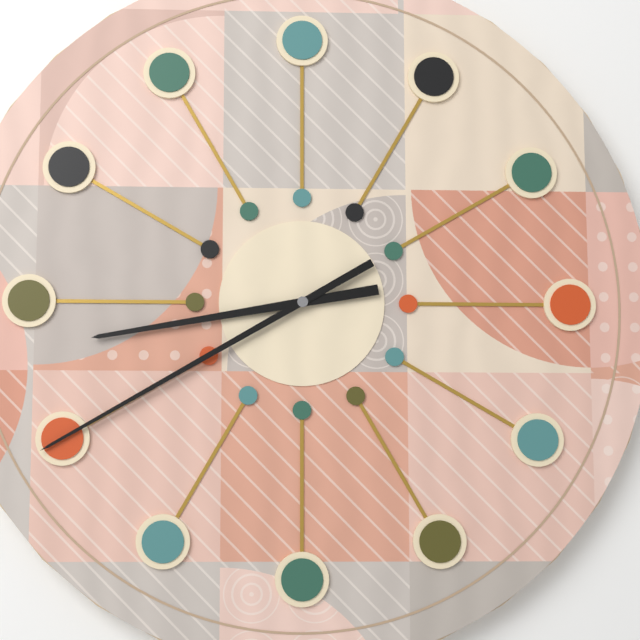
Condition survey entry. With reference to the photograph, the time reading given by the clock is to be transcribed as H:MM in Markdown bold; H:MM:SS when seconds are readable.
**8:40**
